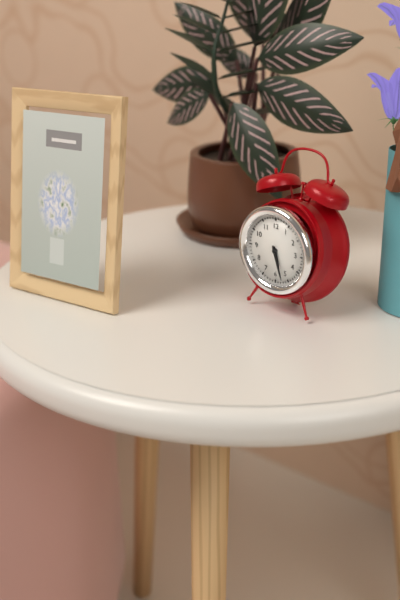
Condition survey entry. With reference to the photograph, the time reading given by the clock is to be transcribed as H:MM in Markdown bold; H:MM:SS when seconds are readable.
**5:27**
